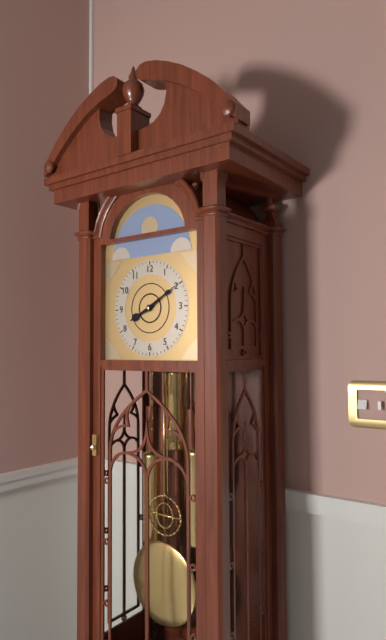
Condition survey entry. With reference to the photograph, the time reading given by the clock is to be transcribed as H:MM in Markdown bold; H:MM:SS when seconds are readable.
**8:10**
